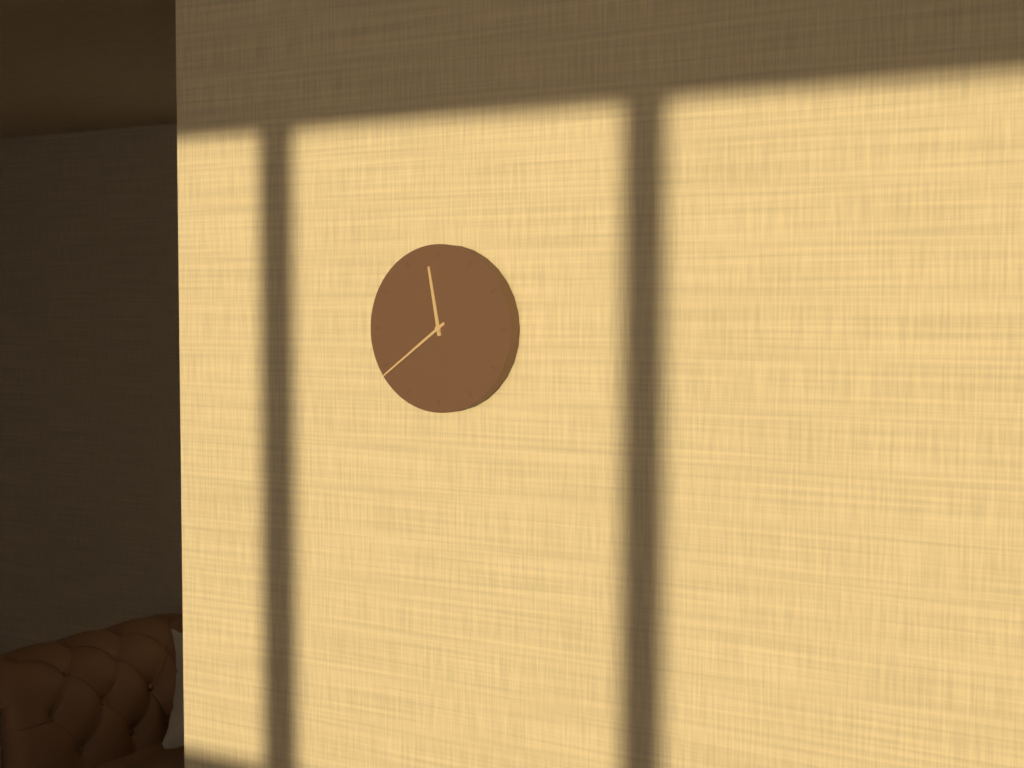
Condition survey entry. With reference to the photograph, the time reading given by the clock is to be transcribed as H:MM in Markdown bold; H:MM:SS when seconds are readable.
**11:39**
